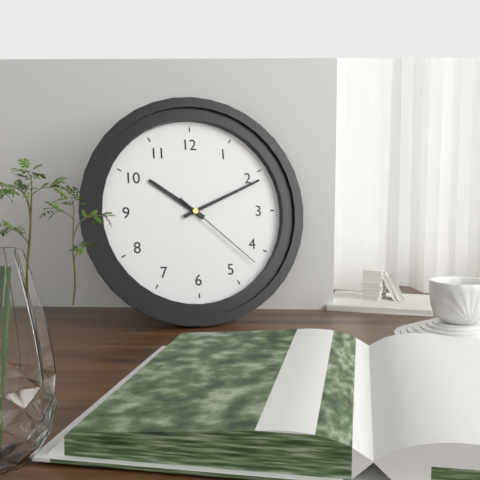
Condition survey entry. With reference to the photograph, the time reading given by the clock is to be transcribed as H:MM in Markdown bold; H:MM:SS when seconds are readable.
**10:11:22**
